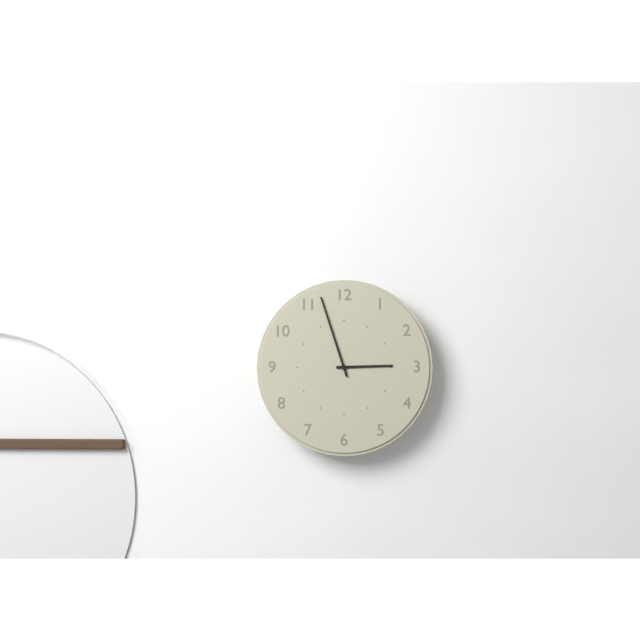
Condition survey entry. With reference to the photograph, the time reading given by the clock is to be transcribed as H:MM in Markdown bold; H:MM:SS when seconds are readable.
**2:57**
